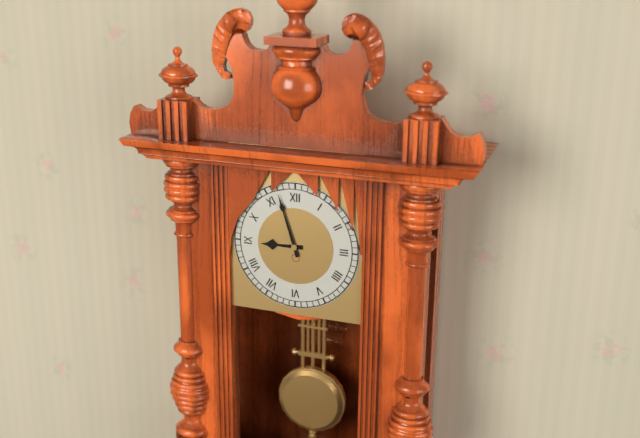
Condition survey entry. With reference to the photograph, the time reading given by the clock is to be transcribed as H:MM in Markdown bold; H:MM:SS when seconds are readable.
**8:57**
